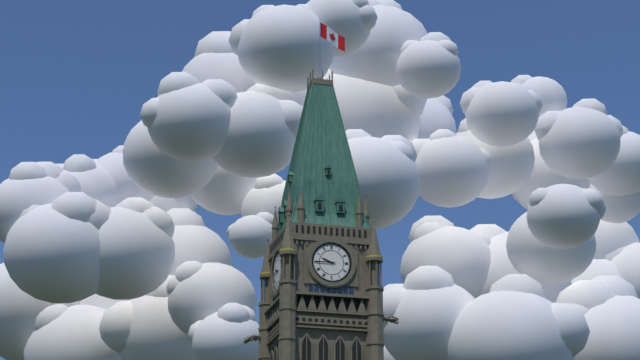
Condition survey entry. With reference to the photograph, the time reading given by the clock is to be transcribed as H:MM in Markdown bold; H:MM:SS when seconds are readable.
**9:45**
